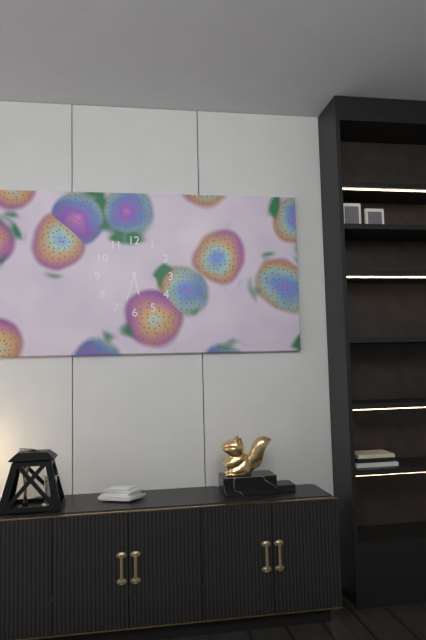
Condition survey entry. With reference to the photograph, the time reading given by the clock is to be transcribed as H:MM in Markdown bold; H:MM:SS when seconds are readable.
**5:33**
